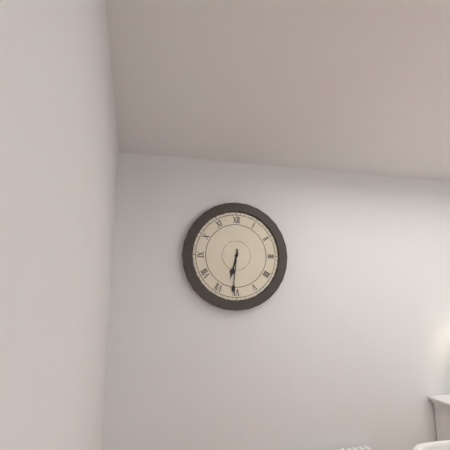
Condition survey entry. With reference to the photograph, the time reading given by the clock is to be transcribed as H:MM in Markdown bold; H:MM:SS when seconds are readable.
**6:31**
